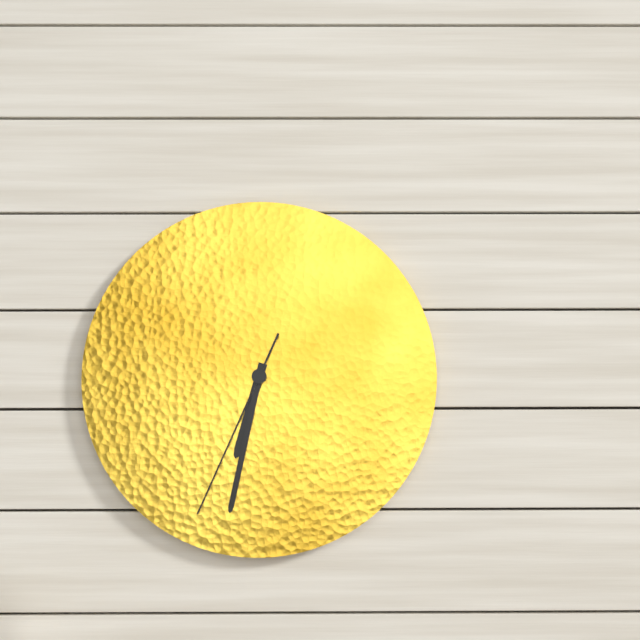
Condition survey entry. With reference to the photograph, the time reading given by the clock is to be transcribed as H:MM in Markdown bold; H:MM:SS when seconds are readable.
**6:32:34**
